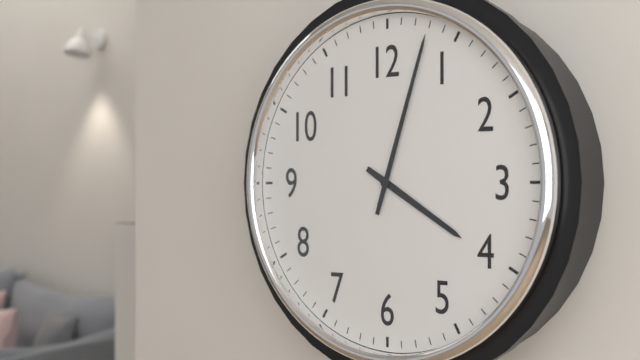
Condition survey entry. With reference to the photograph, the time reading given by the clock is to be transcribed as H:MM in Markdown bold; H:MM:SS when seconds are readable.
**4:03**
